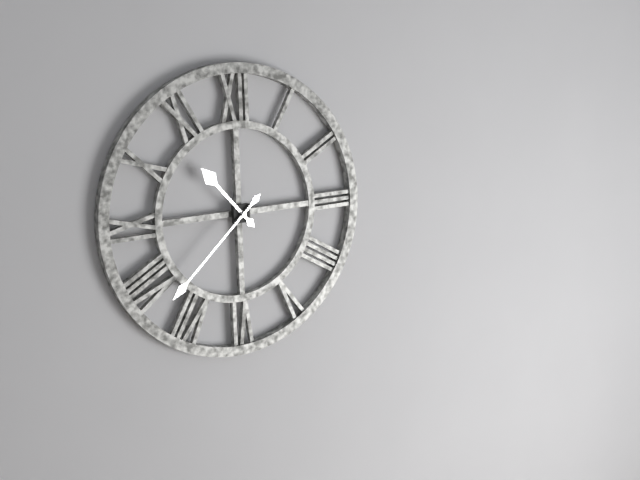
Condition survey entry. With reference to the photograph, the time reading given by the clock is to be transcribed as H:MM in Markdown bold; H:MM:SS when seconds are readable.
**10:38**
